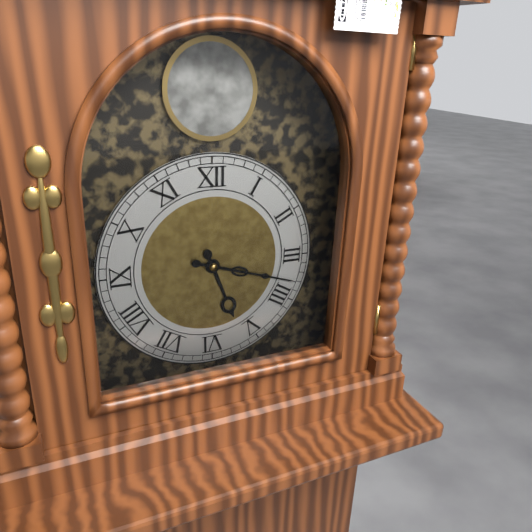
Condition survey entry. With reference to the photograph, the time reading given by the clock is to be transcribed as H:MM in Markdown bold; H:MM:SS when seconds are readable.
**5:18**
